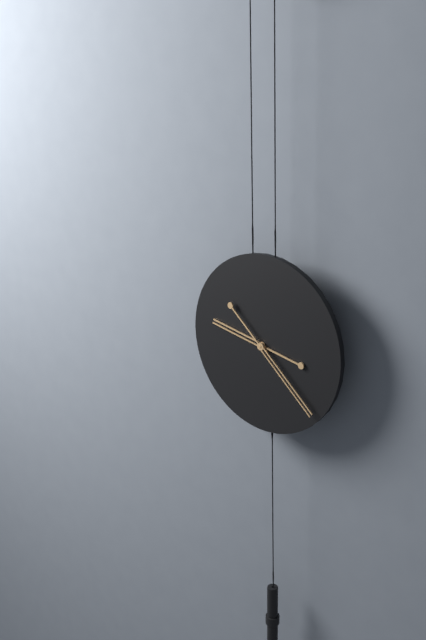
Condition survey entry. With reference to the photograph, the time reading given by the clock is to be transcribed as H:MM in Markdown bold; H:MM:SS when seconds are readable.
**9:22**
